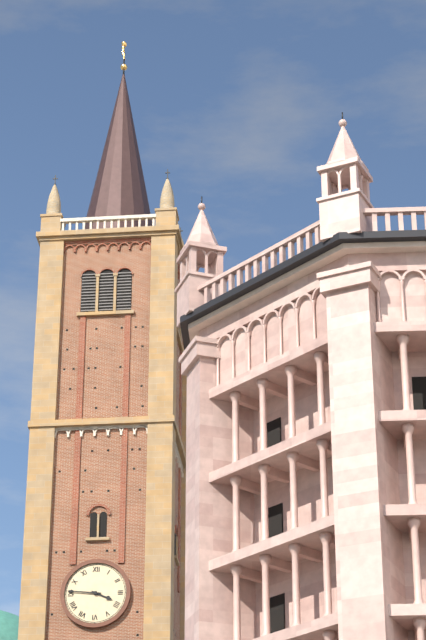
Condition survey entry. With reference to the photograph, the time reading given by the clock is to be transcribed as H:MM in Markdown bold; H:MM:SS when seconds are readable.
**3:46**
